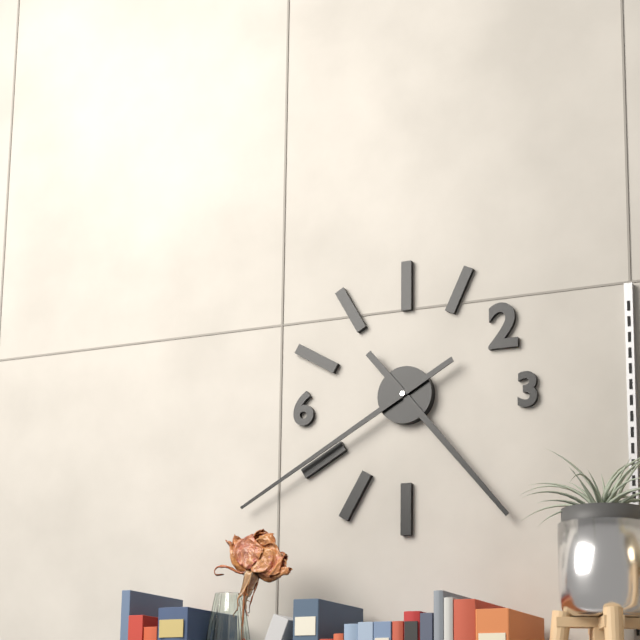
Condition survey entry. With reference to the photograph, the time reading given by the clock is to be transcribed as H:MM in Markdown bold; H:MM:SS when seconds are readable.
**4:40**
